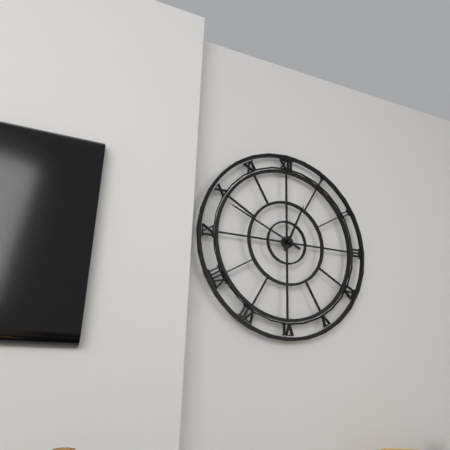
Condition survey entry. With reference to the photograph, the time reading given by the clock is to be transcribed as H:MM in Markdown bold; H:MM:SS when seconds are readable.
**12:49**
